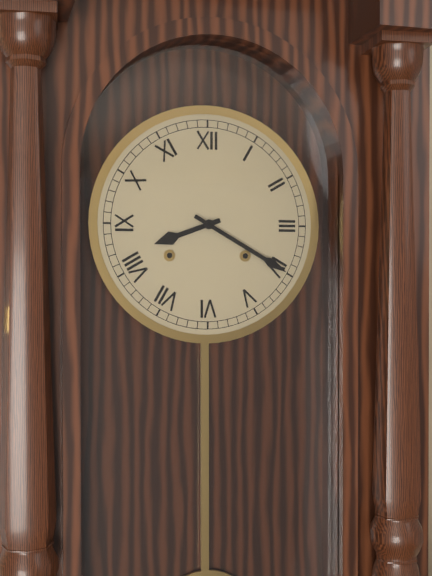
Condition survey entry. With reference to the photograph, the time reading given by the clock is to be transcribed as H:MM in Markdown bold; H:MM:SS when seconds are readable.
**8:20**
